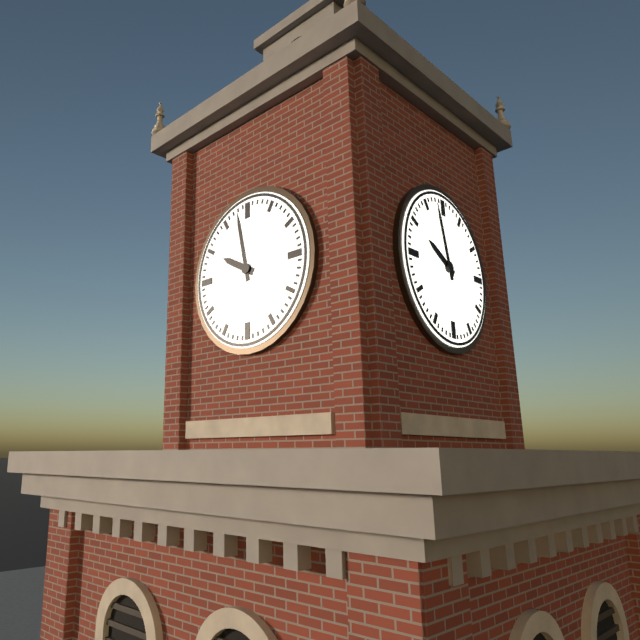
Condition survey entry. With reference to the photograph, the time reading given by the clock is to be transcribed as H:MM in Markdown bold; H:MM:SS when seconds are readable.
**9:58**
